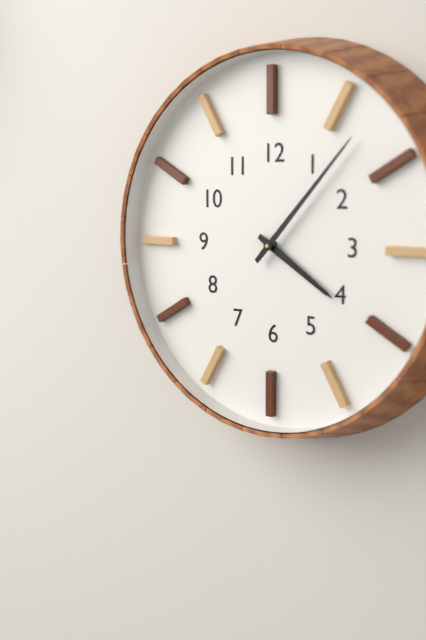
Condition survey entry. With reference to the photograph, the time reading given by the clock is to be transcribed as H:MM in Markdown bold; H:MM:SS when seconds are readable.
**4:07**
